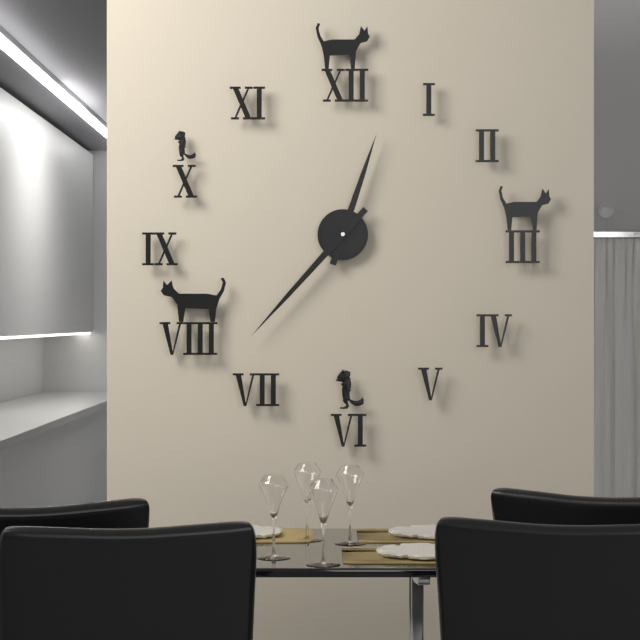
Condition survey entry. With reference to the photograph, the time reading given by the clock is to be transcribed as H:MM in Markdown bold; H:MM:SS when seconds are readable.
**12:37**
